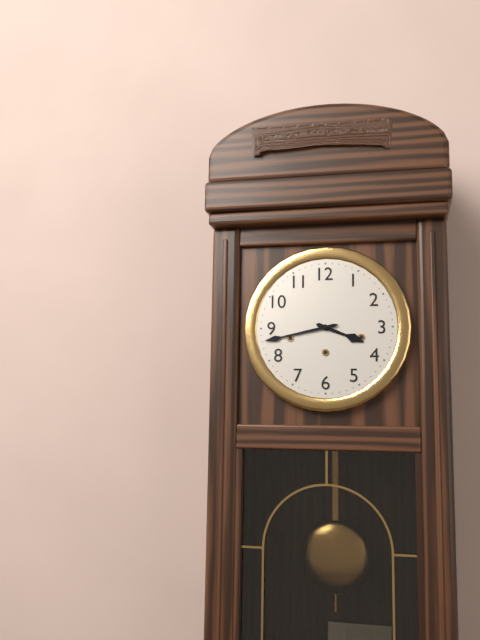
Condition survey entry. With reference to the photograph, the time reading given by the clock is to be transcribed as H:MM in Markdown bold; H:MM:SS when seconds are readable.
**3:43**
